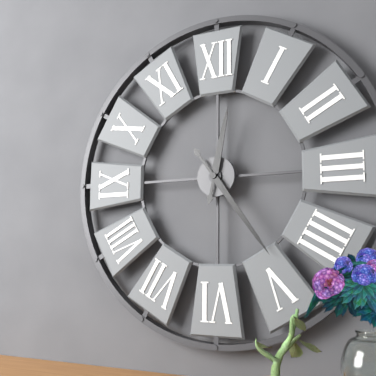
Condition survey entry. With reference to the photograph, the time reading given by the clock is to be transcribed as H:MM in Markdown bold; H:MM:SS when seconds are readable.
**12:24**
